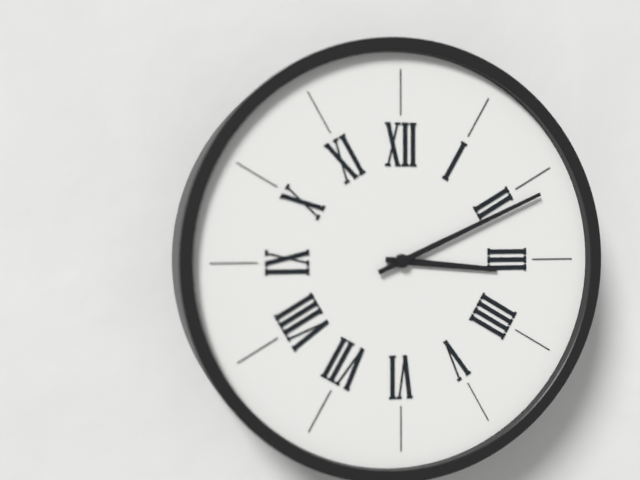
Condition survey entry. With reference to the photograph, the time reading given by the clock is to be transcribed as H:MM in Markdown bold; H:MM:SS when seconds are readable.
**3:11**
